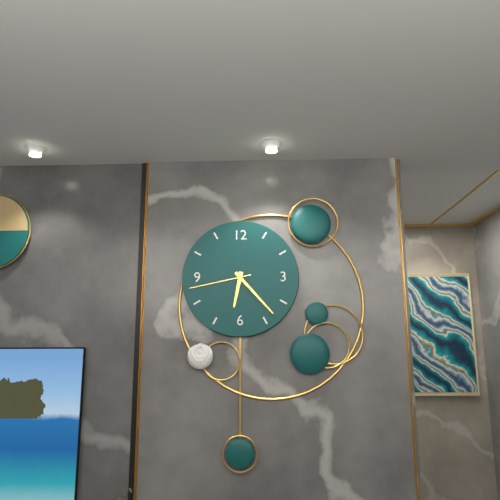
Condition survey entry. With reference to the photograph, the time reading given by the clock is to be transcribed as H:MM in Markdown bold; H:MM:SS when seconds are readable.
**6:23:43**
